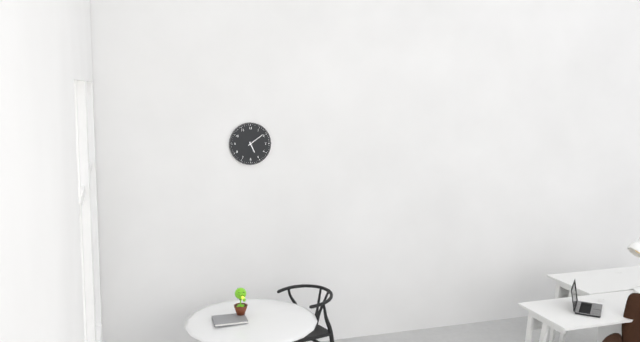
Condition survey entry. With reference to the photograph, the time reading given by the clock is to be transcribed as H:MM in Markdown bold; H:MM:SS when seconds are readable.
**5:09**
